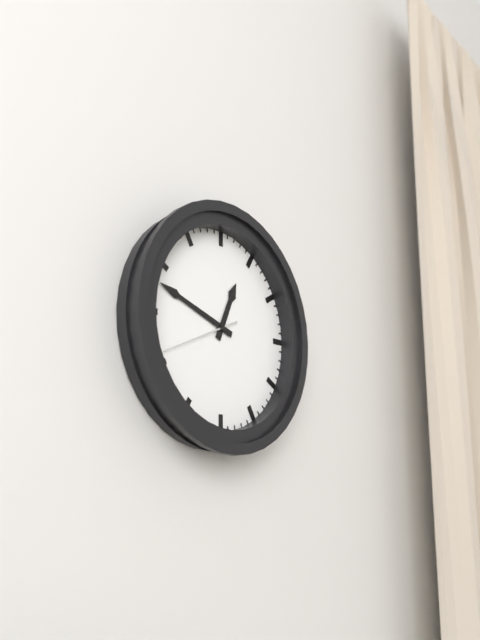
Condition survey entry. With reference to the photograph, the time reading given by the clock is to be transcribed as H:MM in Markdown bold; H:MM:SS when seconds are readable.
**12:48:41**
